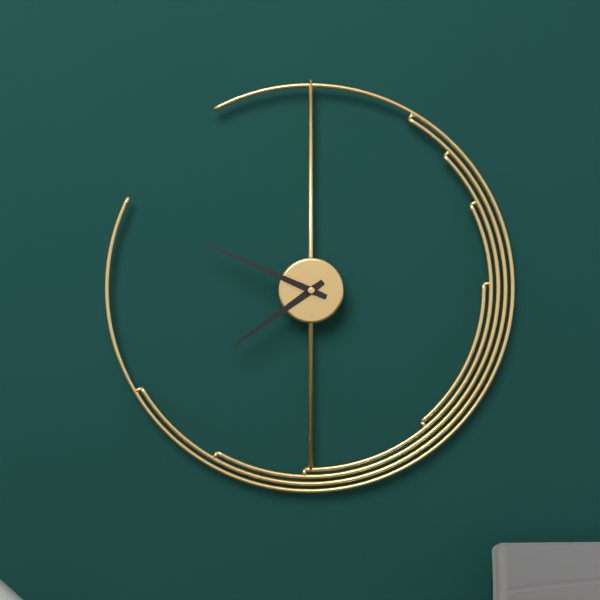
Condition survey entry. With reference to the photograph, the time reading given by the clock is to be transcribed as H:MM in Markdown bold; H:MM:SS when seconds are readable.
**7:49**
